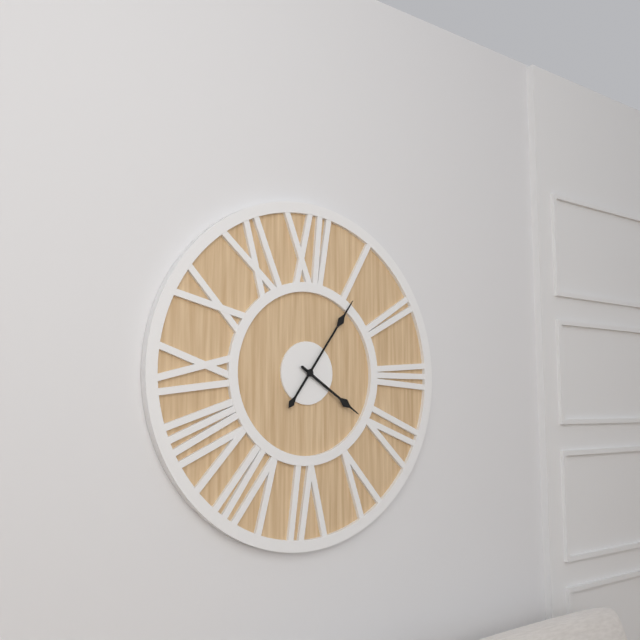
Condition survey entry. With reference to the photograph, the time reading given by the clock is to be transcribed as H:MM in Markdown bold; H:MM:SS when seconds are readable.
**4:06**
